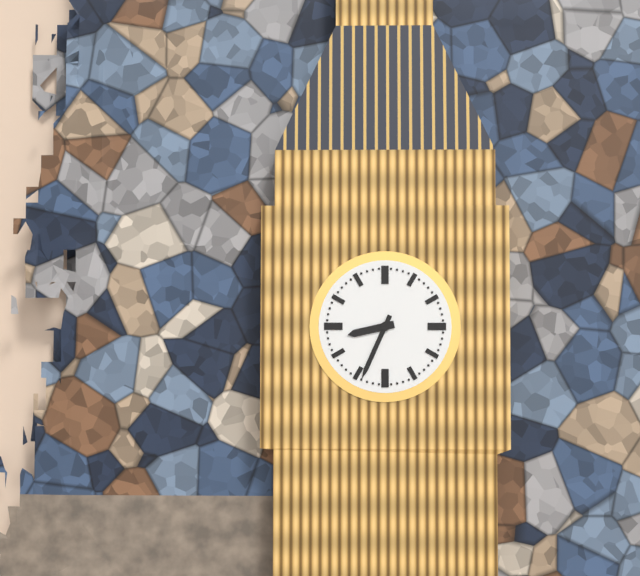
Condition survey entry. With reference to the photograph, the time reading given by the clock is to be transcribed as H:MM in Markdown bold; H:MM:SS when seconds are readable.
**8:34**
